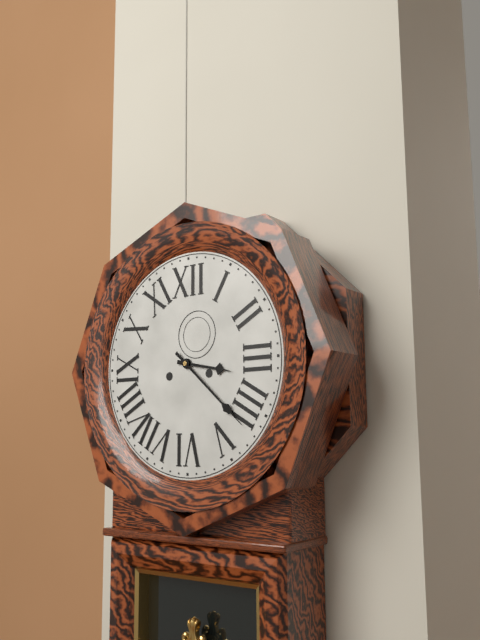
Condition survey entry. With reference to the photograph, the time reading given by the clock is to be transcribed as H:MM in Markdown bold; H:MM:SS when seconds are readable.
**3:22**
